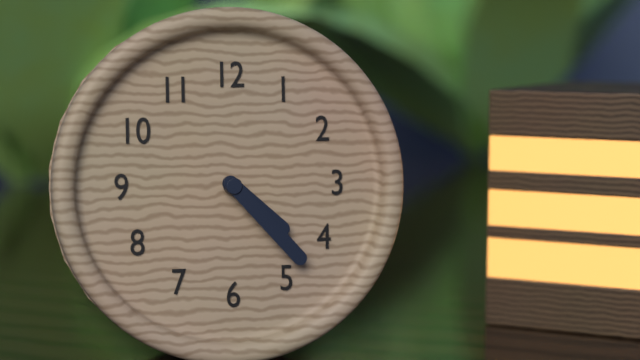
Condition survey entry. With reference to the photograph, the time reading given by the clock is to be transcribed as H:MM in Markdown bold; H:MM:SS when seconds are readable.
**4:23**
